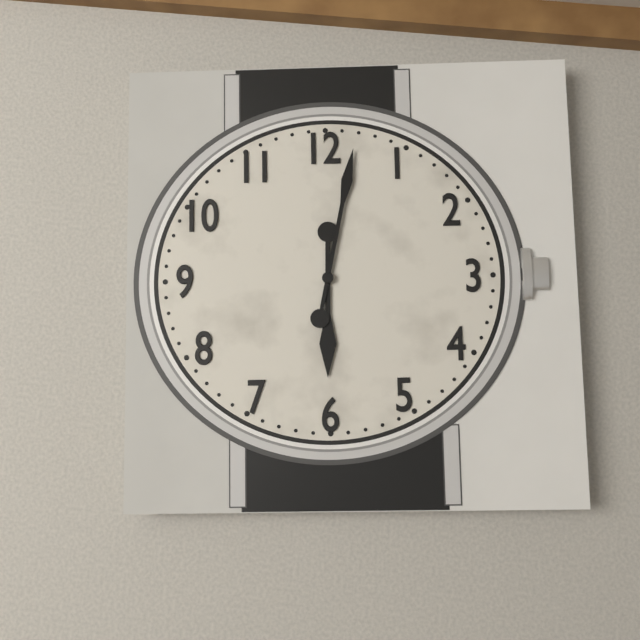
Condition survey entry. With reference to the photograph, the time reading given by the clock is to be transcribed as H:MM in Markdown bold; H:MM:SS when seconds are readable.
**6:02**
